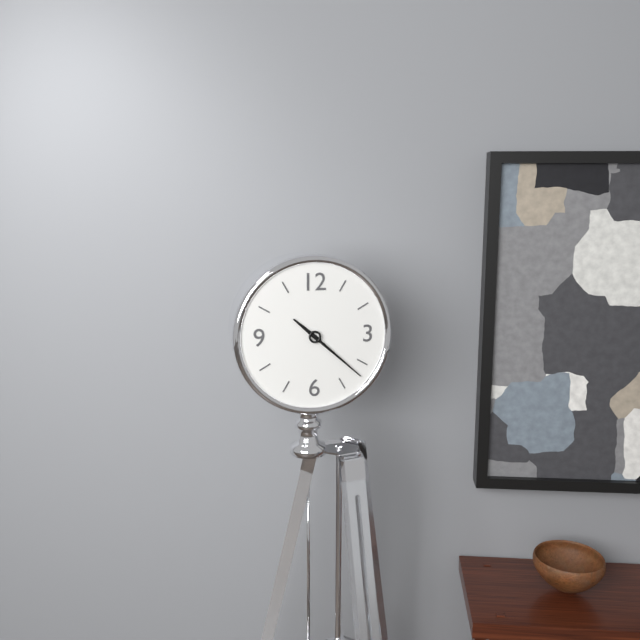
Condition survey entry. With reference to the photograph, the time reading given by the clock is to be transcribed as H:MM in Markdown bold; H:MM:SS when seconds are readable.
**10:22**
